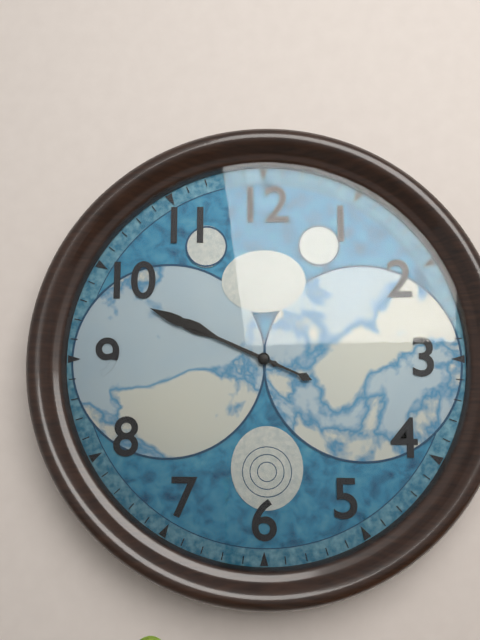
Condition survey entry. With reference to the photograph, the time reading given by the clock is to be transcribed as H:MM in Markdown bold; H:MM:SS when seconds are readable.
**9:49**
